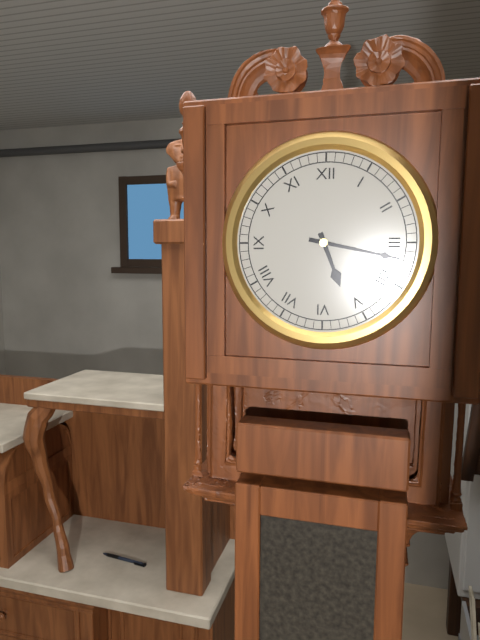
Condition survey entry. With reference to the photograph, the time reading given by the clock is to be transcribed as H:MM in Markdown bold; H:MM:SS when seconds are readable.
**5:17**
